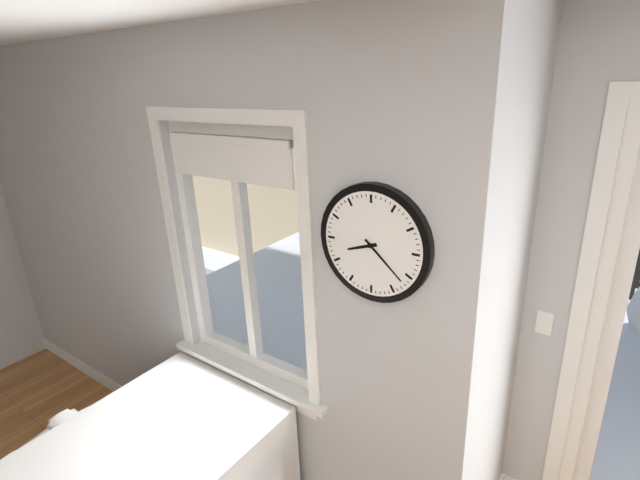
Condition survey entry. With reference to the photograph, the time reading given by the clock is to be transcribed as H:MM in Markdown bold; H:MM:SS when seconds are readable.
**8:22**
